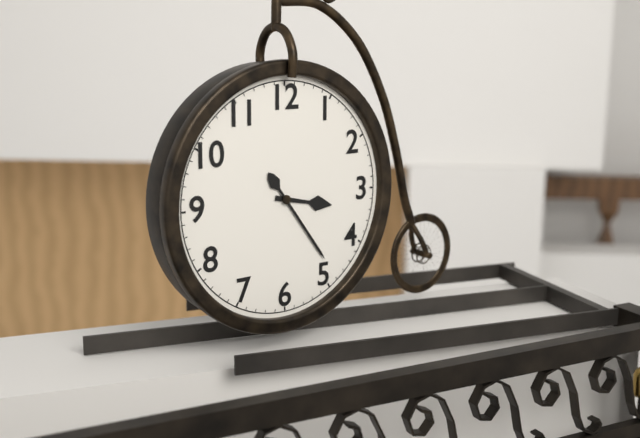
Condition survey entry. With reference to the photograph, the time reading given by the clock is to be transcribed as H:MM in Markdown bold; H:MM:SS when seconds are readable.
**3:24**
